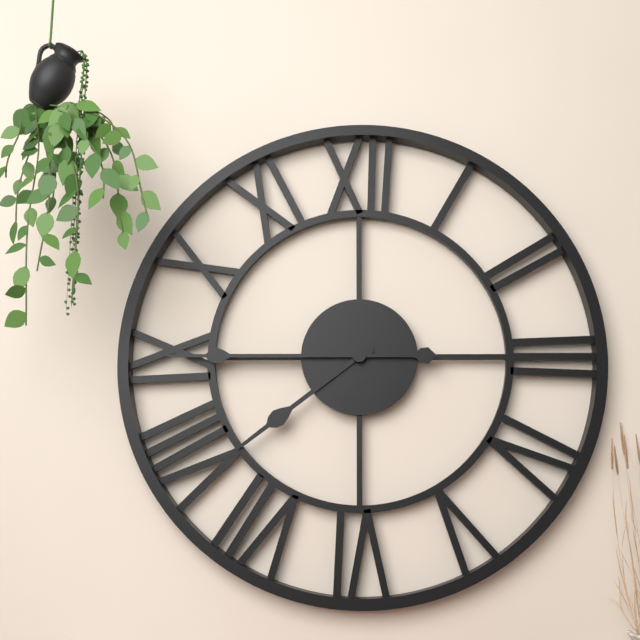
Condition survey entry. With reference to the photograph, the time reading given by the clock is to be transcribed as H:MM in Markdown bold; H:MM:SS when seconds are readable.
**7:45**
